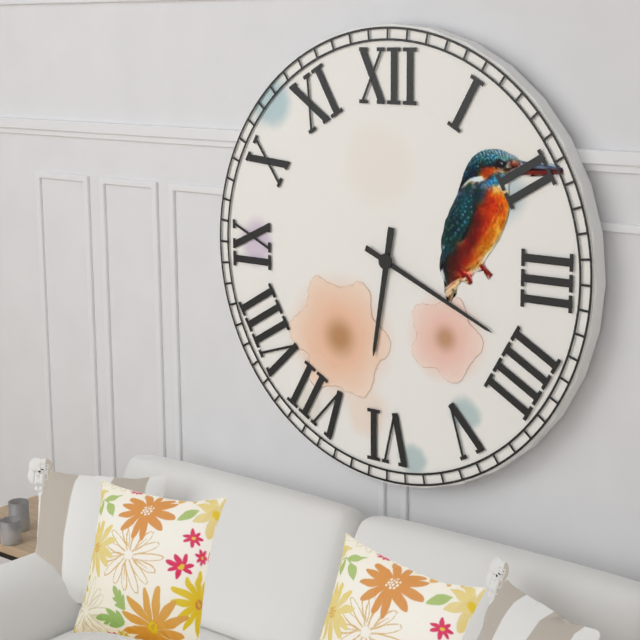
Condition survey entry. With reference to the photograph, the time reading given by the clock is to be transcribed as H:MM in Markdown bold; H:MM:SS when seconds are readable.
**6:19**
